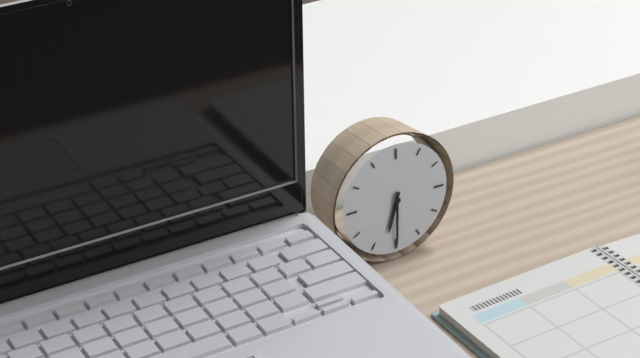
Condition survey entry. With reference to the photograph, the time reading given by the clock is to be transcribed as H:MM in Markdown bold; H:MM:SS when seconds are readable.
**6:30**
